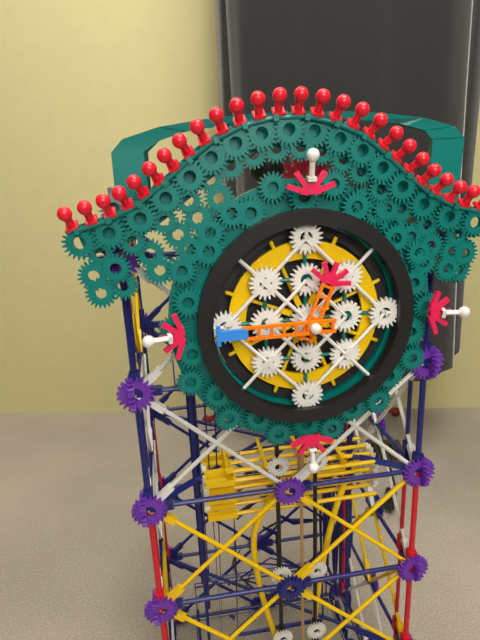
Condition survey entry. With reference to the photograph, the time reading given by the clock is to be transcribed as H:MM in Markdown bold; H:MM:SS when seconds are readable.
**12:45**
